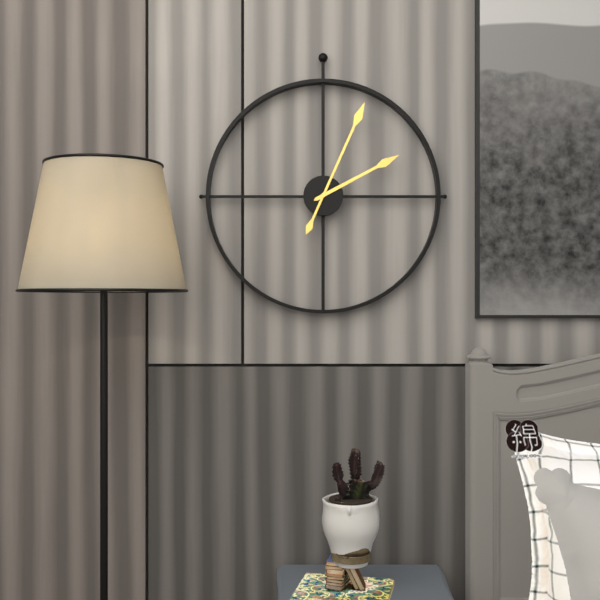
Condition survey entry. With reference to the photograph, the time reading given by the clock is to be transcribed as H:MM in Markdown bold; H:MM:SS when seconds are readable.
**2:04**
